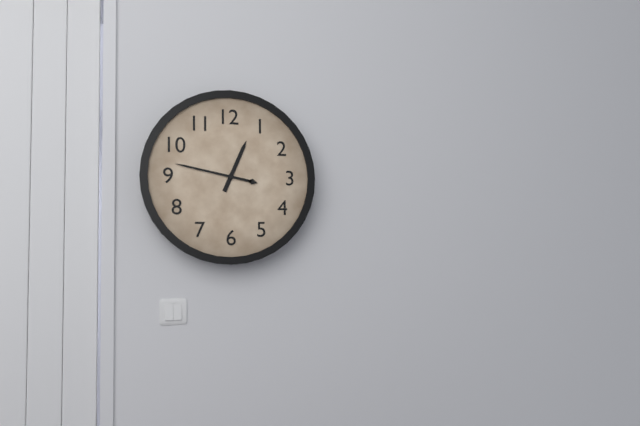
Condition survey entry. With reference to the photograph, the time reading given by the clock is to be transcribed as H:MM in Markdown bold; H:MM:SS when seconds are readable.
**12:47**
